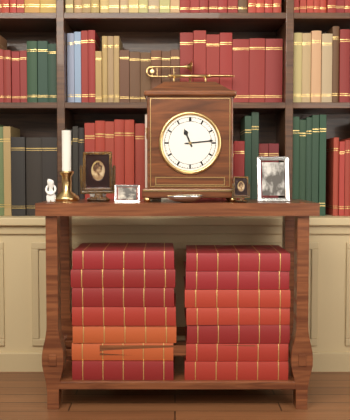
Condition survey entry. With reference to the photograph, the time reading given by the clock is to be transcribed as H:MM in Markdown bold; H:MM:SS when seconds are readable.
**11:14**
